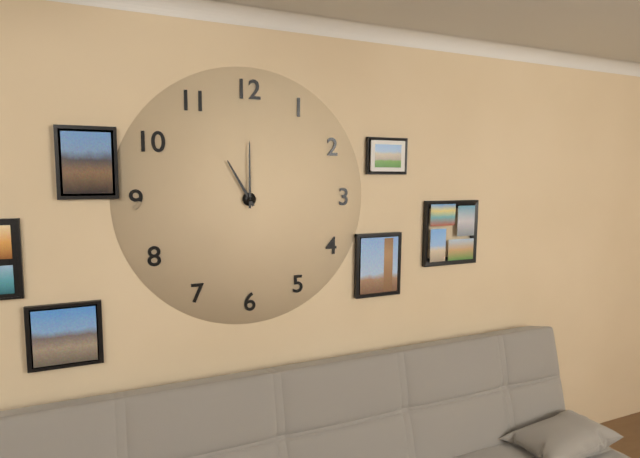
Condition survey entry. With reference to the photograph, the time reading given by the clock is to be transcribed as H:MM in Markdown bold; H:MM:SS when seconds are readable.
**11:00**
